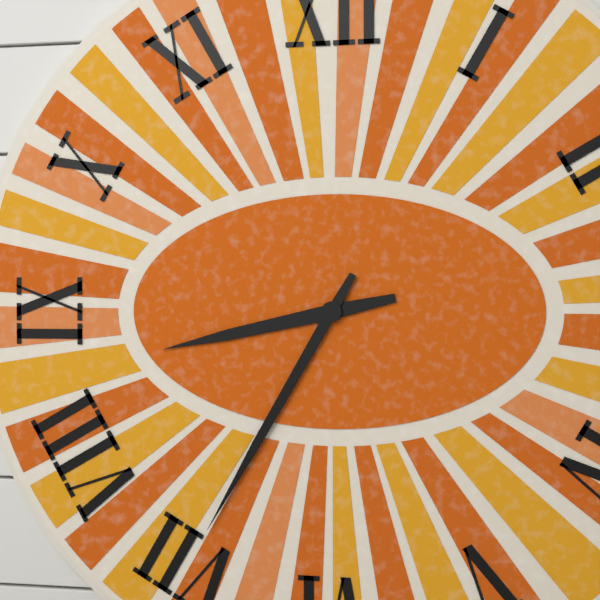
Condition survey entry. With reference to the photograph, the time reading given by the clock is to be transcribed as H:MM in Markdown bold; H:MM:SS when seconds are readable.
**8:35**
